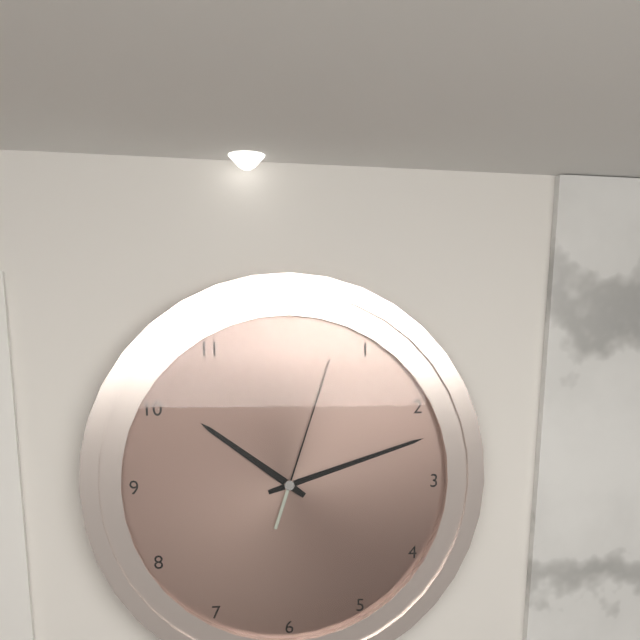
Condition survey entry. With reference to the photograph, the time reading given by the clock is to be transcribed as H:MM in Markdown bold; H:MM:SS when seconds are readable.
**10:12:03**
